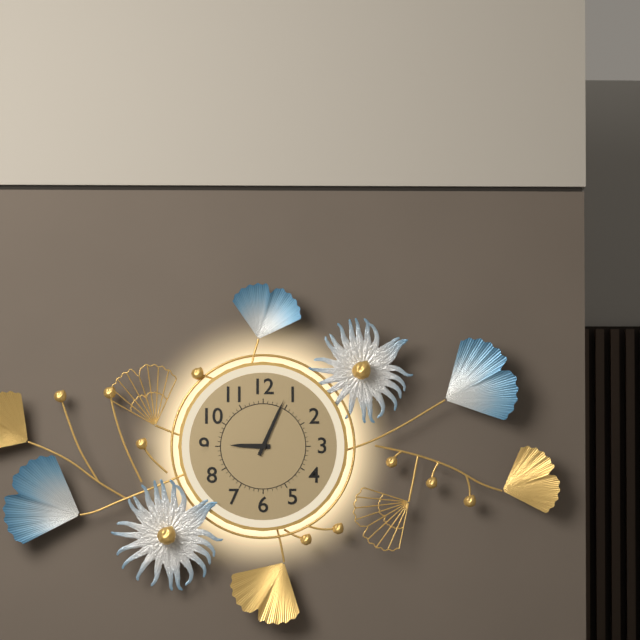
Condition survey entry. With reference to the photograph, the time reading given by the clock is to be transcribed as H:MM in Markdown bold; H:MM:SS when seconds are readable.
**9:04**
